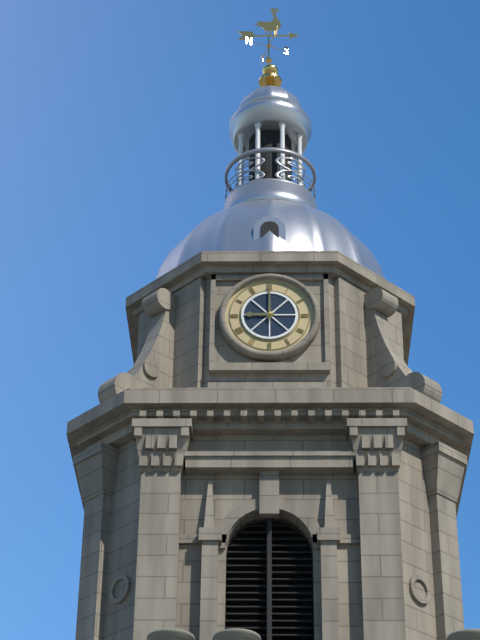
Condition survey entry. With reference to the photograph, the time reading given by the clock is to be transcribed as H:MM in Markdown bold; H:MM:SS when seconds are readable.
**9:00**
